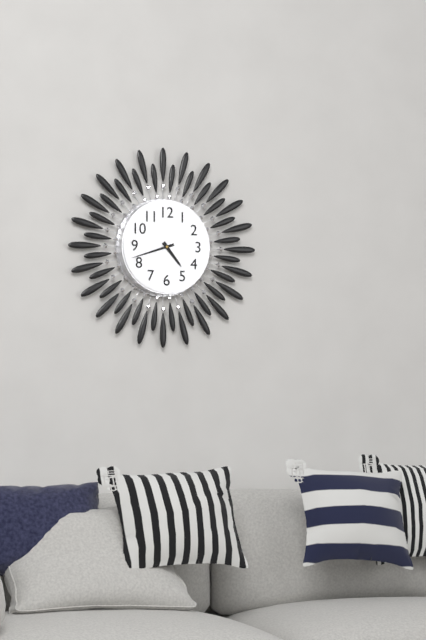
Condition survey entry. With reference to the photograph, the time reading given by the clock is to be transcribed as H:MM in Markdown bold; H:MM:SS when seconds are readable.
**4:42**
